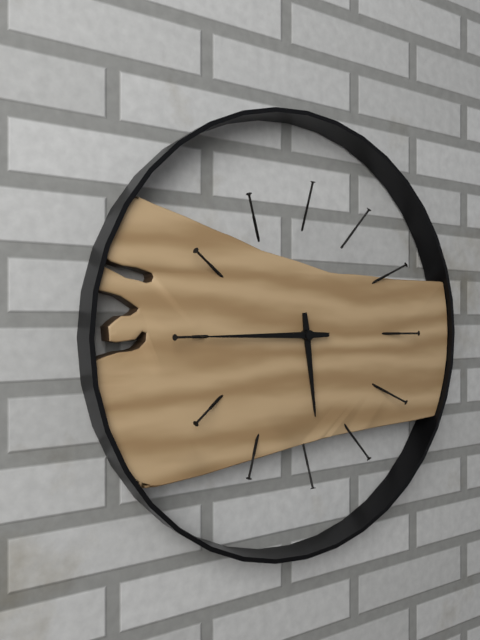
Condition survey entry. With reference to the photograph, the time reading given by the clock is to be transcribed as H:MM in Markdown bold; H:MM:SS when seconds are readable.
**5:45**
